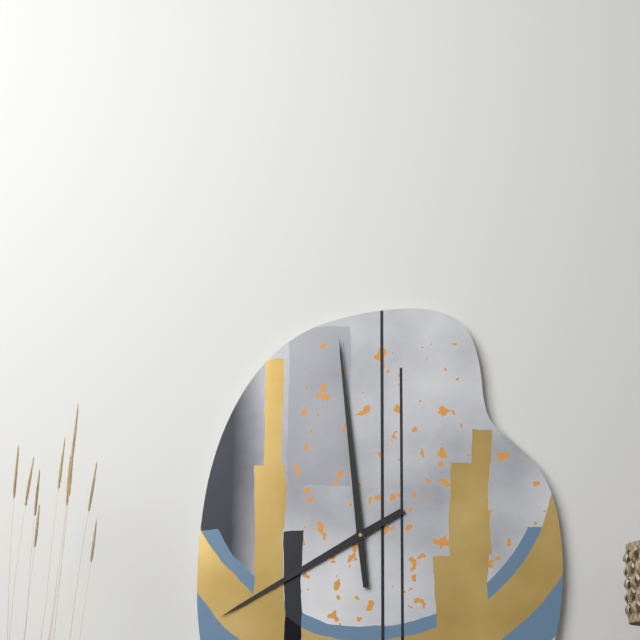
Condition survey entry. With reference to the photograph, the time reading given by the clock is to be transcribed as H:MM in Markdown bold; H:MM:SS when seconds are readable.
**7:59**
